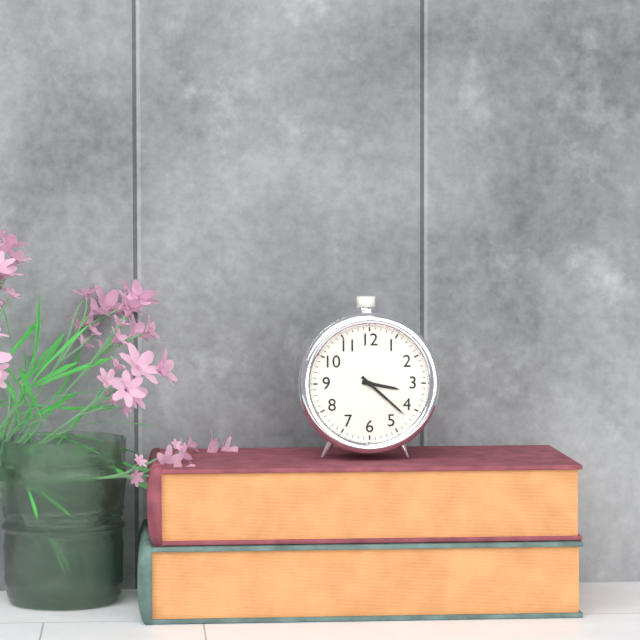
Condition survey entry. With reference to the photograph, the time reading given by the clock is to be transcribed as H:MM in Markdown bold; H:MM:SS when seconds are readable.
**3:22**
